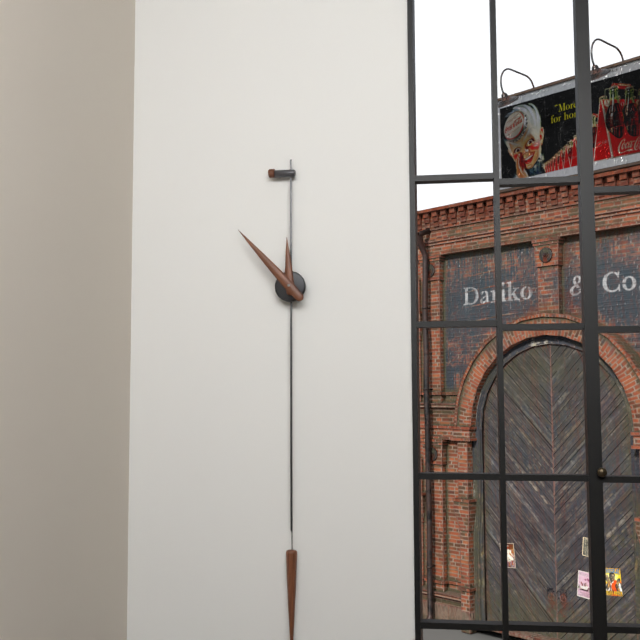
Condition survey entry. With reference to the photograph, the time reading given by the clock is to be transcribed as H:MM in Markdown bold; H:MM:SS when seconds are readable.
**11:53**
